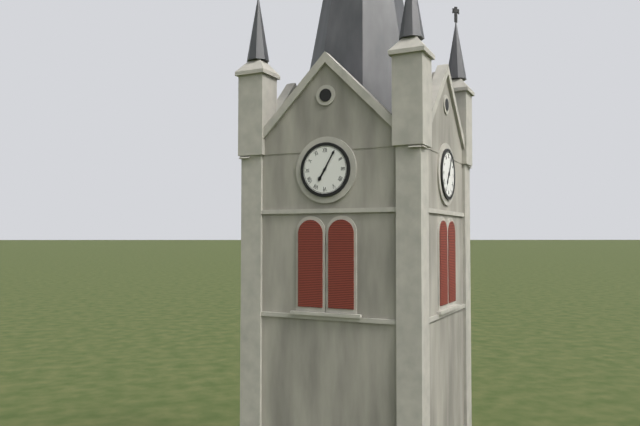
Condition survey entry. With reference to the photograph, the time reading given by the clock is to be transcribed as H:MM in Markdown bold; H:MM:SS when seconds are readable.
**7:05**
